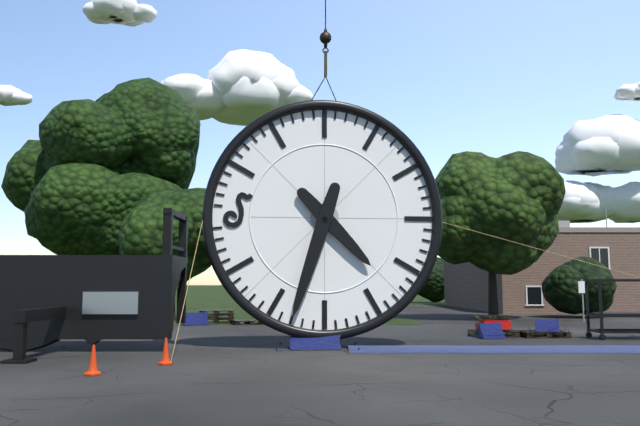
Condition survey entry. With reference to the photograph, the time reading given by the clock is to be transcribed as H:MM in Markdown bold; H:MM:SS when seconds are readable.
**4:33**
